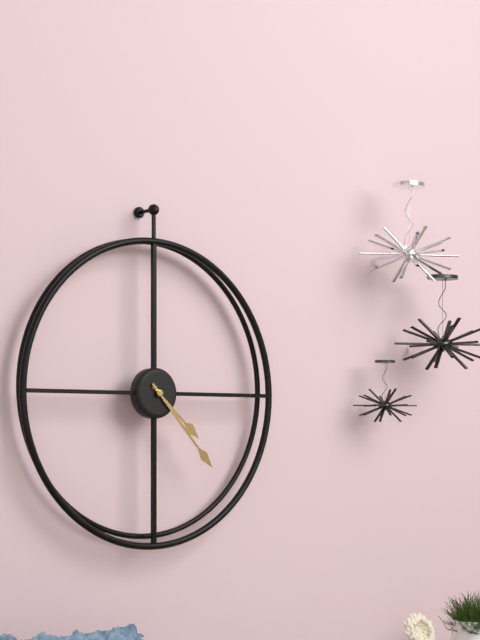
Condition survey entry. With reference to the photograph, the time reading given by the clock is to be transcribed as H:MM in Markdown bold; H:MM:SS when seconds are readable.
**4:23**
